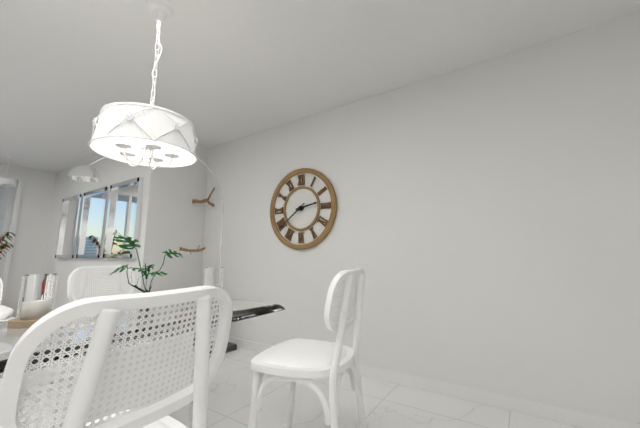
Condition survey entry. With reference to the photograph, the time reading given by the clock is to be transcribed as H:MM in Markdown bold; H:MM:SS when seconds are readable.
**2:39**
